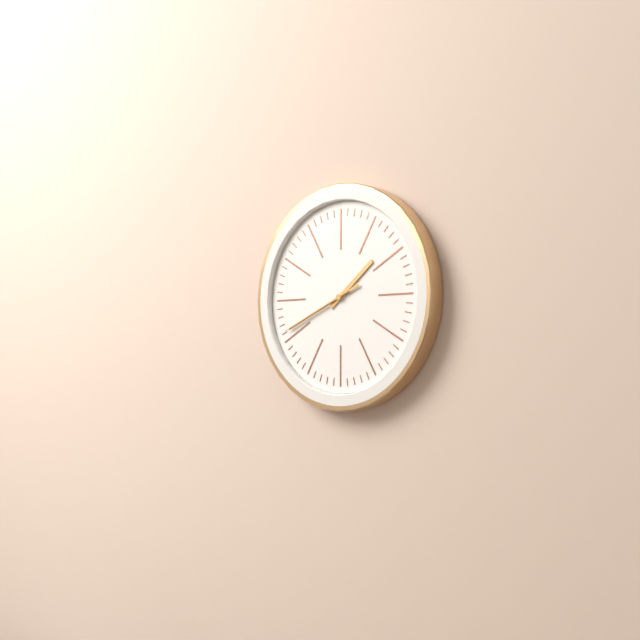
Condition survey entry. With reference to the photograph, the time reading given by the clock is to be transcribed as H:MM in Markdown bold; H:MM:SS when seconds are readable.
**1:41:41**
